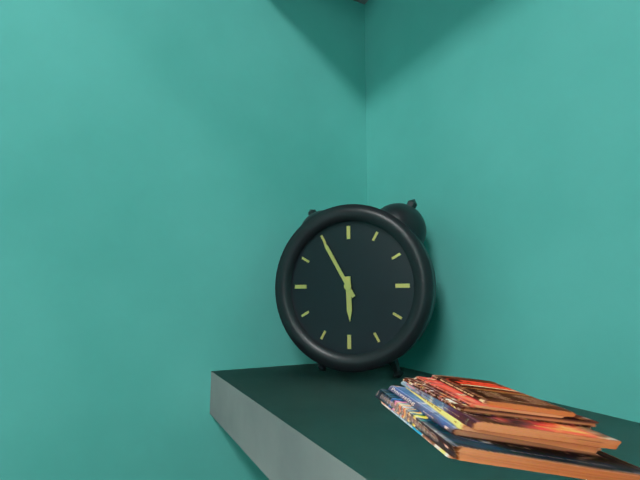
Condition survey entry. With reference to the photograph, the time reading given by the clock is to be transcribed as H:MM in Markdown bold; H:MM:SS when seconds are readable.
**5:55**
